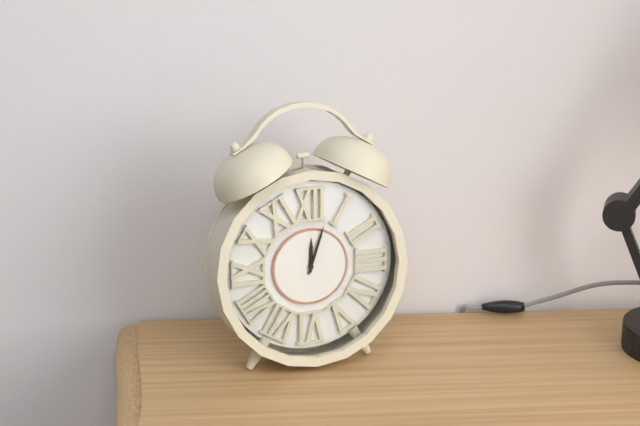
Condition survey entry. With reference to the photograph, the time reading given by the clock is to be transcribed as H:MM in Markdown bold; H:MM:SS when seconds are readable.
**12:03**
